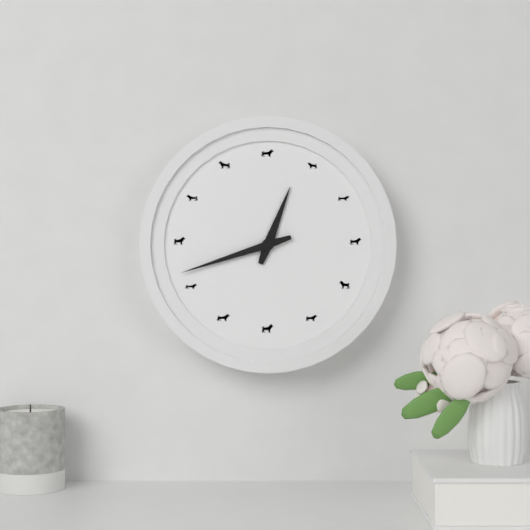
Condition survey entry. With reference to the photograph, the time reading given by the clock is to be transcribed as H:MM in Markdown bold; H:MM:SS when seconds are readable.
**12:42**
